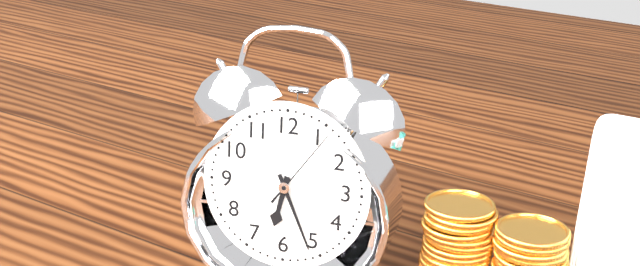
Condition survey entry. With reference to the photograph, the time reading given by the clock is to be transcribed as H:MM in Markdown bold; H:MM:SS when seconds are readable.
**6:26:06**
